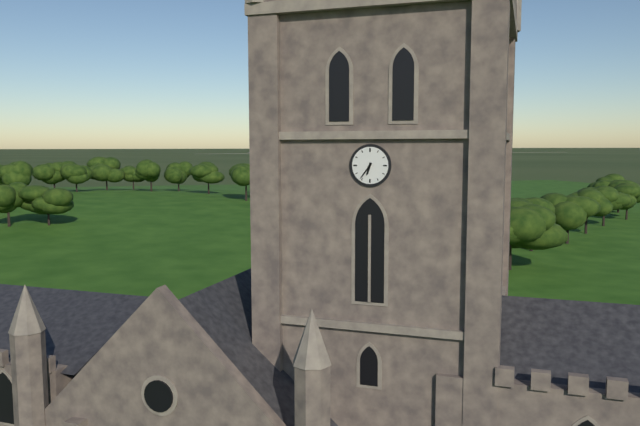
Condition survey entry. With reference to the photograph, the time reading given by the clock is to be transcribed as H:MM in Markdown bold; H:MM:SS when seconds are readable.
**6:36**
